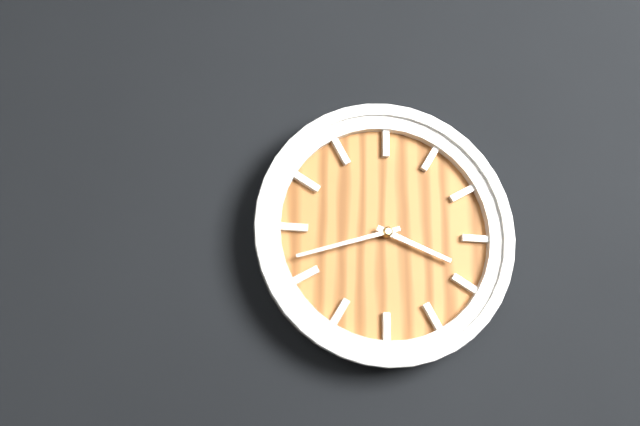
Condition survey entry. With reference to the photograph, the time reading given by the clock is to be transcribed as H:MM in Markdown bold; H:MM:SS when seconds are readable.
**3:42**
